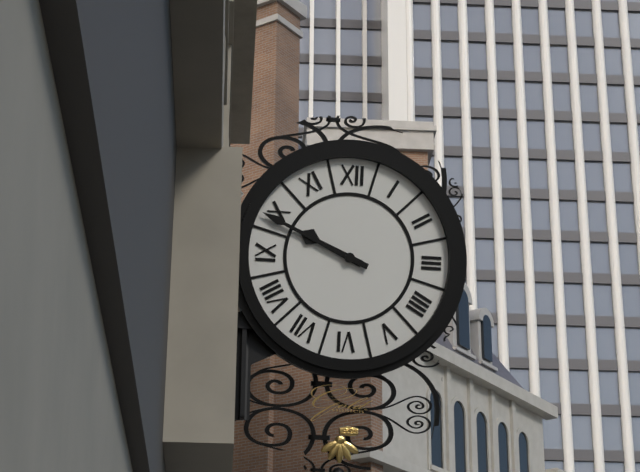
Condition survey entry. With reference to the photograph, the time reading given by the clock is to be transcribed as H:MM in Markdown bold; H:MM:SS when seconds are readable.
**9:49**
